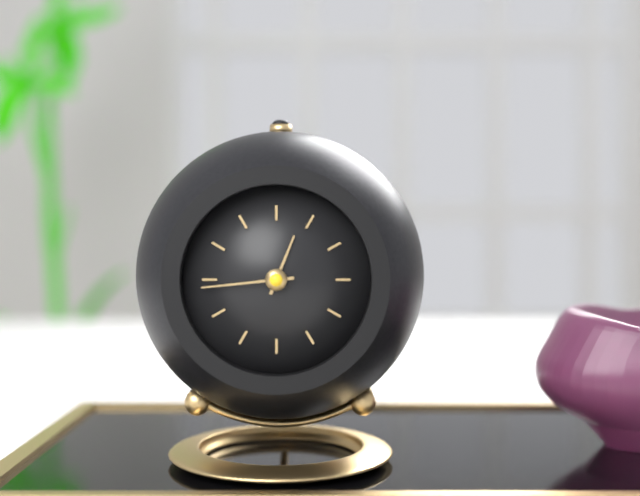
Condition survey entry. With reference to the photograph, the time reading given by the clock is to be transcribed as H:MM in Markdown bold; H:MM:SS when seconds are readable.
**12:44**
